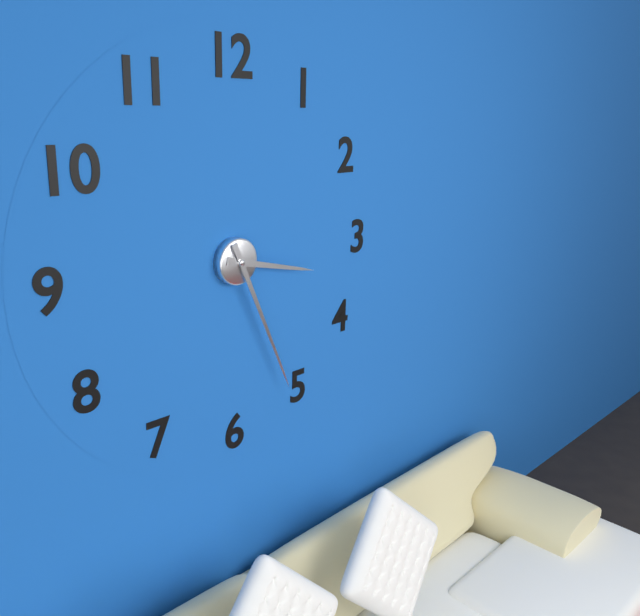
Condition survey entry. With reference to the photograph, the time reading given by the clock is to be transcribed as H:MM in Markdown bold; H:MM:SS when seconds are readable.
**3:26**
